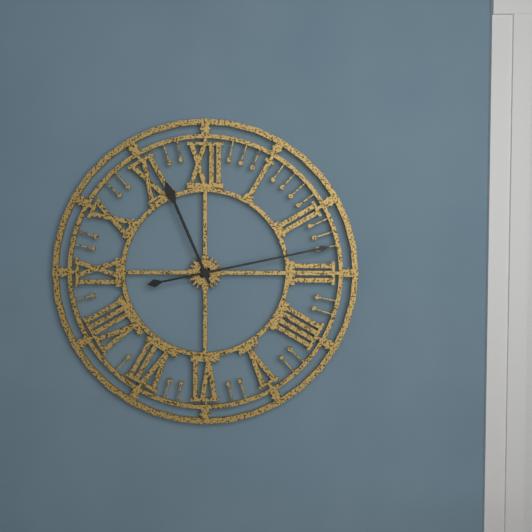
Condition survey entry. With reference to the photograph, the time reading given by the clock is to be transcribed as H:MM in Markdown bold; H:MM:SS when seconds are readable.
**11:13**
